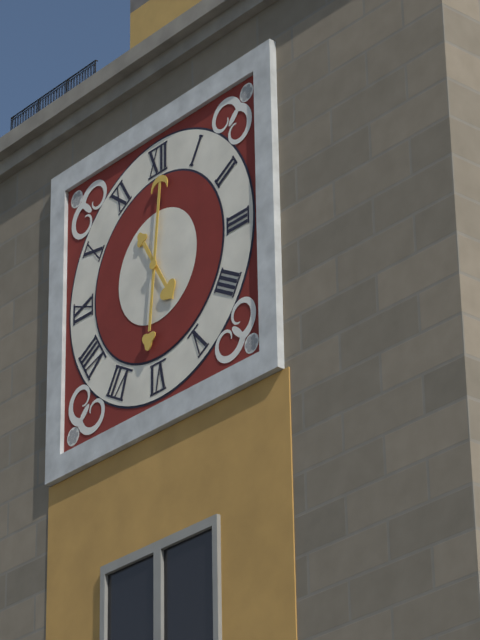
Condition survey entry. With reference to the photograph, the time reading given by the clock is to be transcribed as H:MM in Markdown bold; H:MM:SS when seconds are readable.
**5:01**
